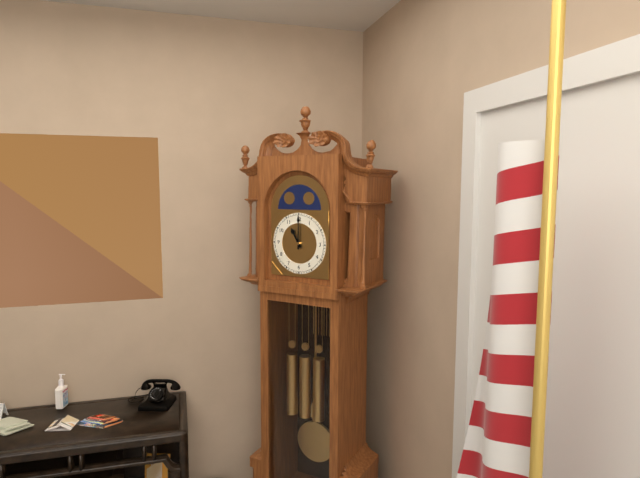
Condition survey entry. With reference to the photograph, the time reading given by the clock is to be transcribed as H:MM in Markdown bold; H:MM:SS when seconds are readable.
**11:00**
